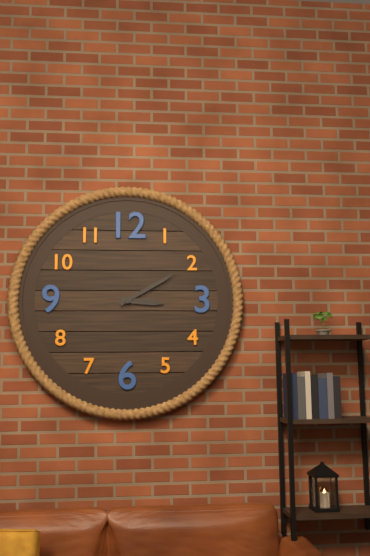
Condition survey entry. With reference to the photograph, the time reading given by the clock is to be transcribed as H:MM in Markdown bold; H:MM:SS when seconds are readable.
**3:10**
